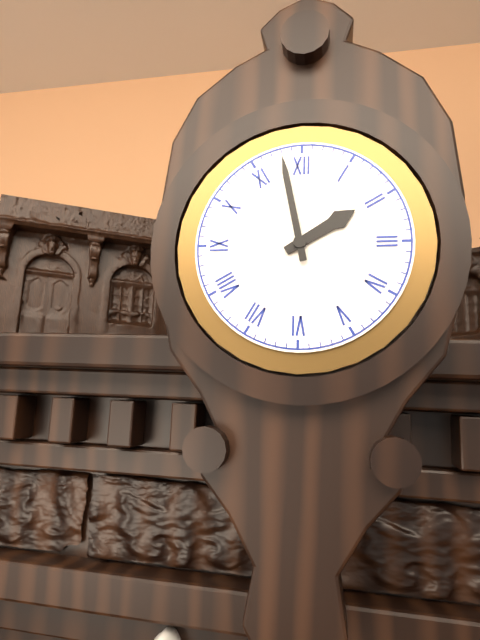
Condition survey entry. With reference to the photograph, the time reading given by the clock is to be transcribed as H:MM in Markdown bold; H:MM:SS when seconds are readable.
**1:58**
